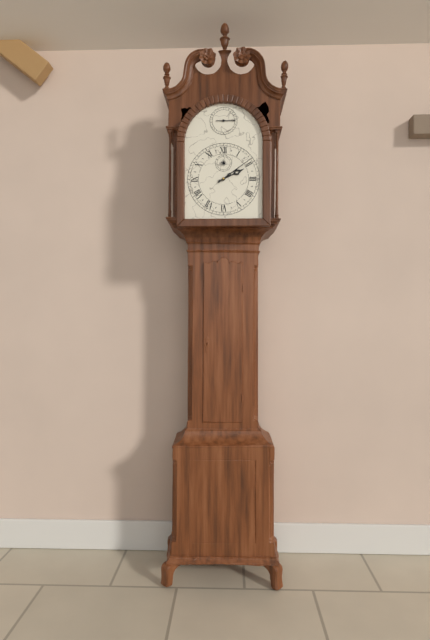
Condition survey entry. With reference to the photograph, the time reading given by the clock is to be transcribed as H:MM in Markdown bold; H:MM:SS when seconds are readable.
**2:09**
